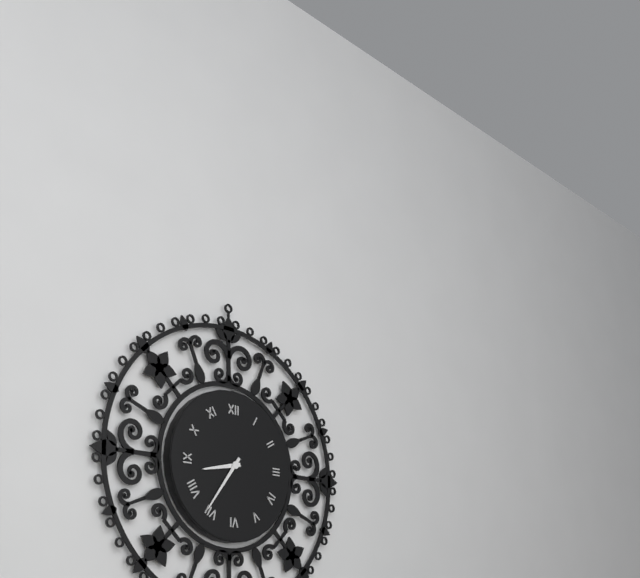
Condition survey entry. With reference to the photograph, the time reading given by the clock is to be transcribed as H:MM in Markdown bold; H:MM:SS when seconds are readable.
**8:36**
